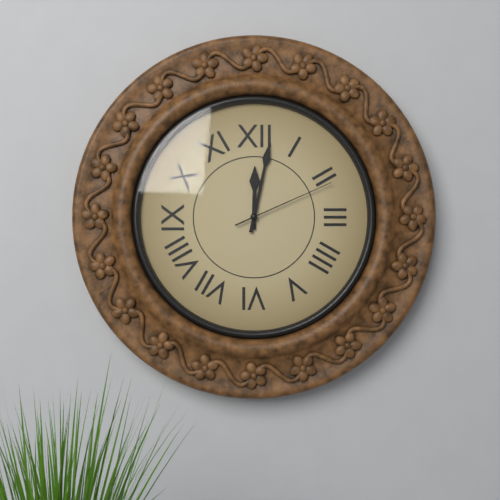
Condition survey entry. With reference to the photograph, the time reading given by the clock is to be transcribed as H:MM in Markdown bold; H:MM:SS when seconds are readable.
**12:02:11**
